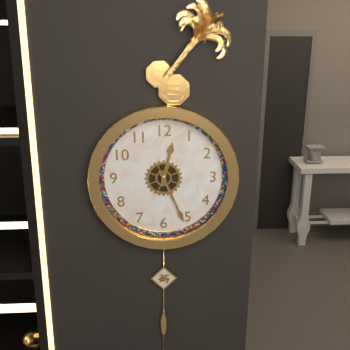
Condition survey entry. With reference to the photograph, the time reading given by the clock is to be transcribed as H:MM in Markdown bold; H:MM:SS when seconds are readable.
**12:26**
